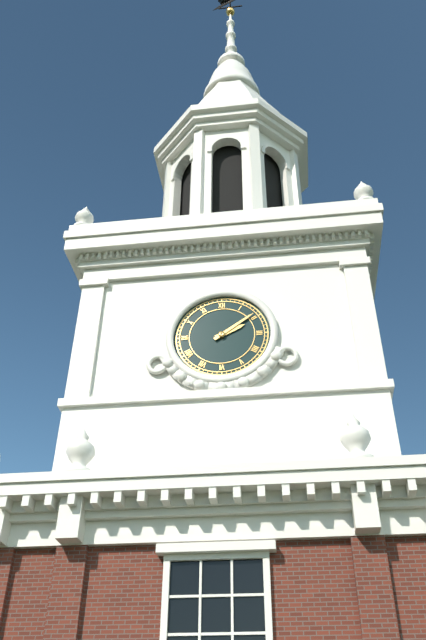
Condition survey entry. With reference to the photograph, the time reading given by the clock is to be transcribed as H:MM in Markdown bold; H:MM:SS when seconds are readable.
**2:09**
